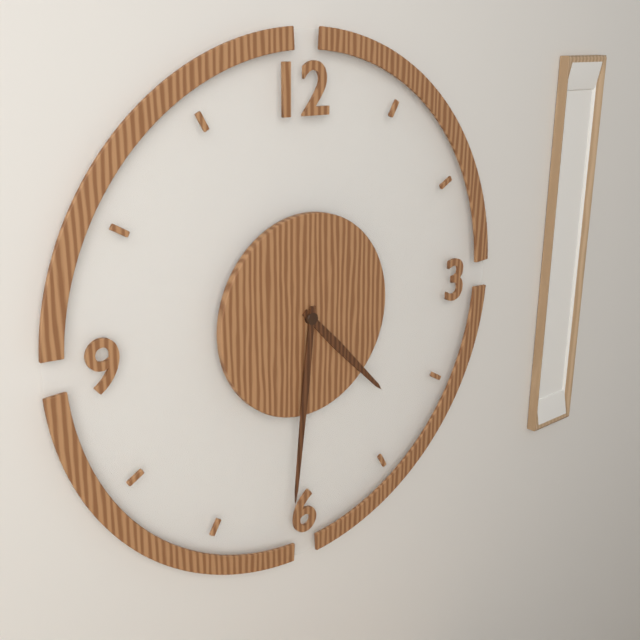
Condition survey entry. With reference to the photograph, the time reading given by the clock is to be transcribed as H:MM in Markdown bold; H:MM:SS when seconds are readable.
**4:31**
